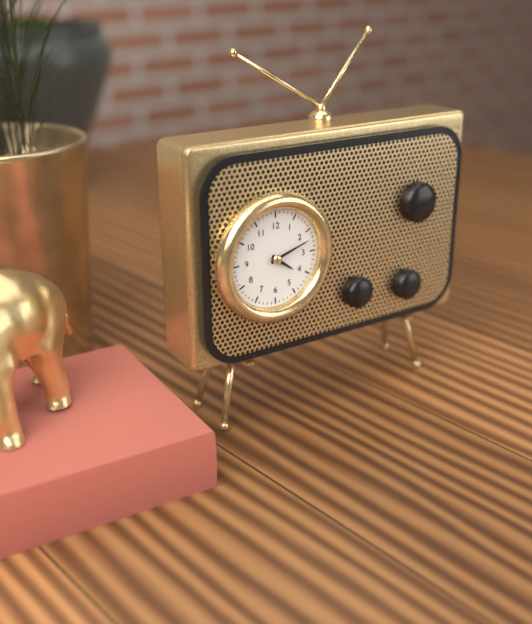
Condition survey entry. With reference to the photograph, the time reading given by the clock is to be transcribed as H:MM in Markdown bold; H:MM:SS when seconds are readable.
**4:12**
